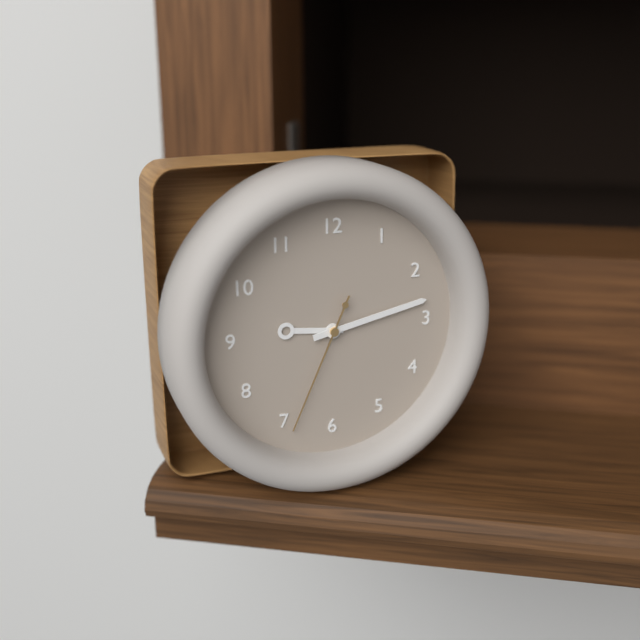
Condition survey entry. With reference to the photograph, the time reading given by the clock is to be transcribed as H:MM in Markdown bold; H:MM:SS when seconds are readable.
**9:13:34**
